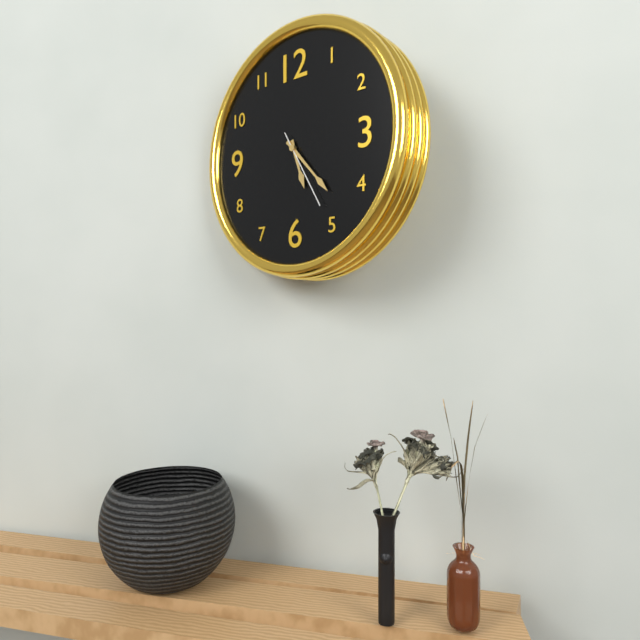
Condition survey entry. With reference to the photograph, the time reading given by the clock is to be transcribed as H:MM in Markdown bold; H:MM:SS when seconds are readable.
**5:23:25**
